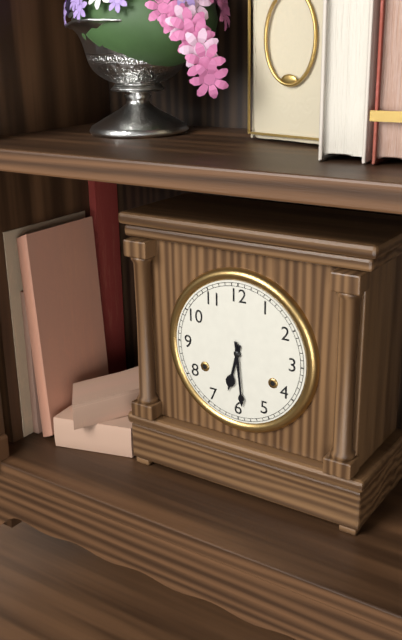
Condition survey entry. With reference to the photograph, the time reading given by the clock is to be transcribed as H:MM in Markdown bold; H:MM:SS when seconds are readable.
**6:29**
